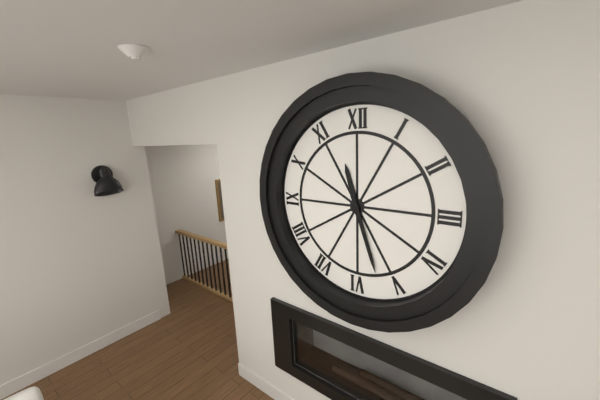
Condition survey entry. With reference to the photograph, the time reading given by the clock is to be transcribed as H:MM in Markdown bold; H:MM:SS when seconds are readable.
**11:27**
